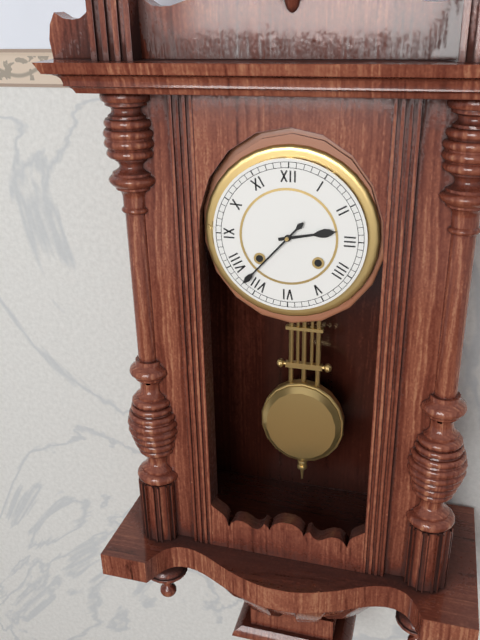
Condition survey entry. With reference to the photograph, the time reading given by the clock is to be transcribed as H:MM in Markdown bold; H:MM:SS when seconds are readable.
**2:37**
